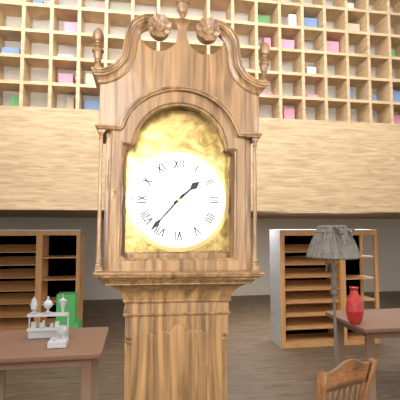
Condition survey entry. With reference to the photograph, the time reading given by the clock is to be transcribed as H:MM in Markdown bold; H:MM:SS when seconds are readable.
**1:37**
